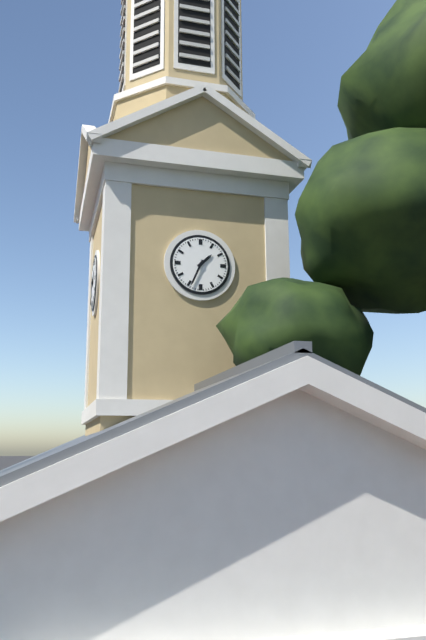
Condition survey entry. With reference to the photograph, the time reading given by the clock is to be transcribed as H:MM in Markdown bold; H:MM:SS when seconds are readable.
**1:34**
